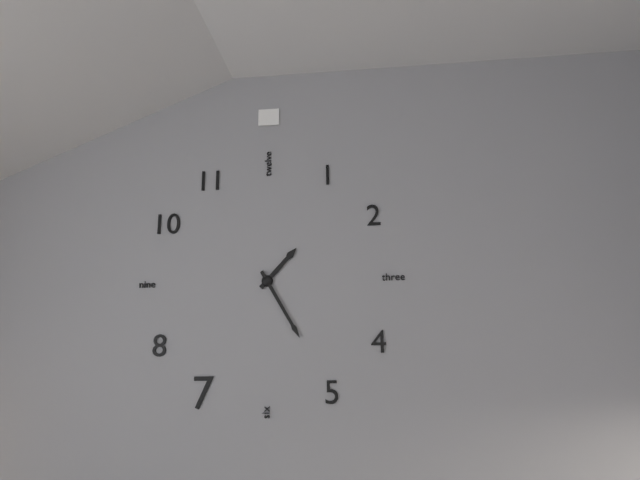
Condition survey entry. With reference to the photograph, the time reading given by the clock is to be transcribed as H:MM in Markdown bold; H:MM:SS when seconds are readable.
**1:25**
